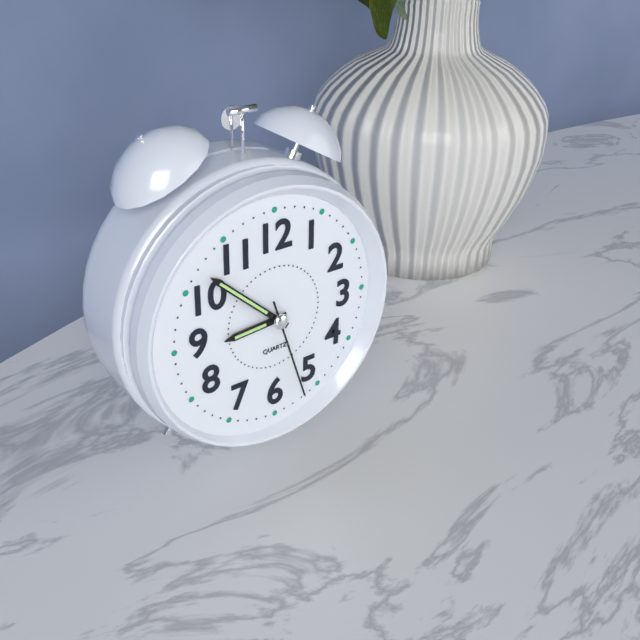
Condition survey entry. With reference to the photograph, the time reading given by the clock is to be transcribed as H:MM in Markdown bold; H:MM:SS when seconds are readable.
**8:52:27**
